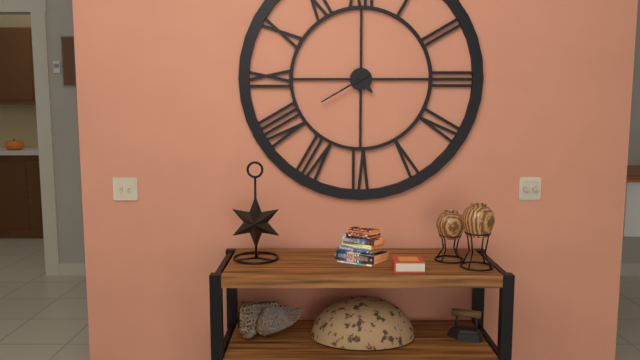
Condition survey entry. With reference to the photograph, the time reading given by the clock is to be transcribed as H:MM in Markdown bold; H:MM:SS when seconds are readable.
**4:40**
